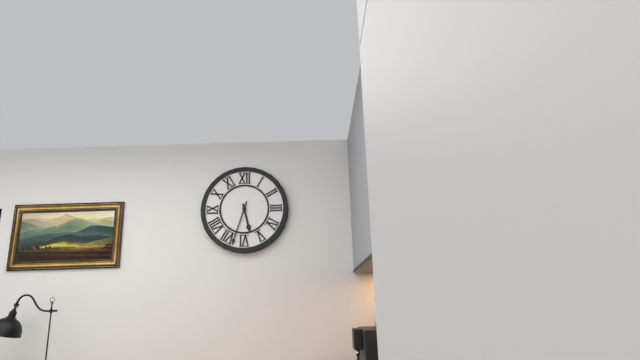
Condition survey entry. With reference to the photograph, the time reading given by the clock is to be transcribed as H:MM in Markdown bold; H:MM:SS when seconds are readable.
**5:33**
